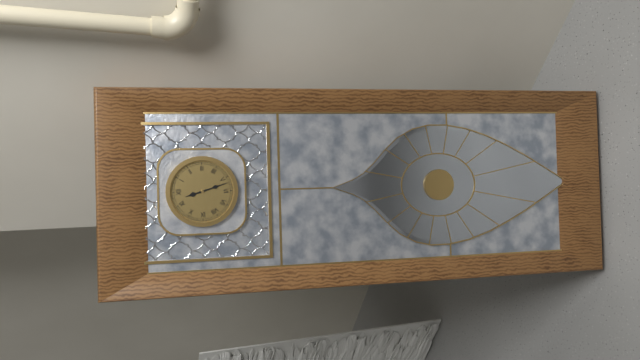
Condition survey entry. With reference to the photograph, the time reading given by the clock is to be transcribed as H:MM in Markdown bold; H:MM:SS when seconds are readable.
**11:27**
